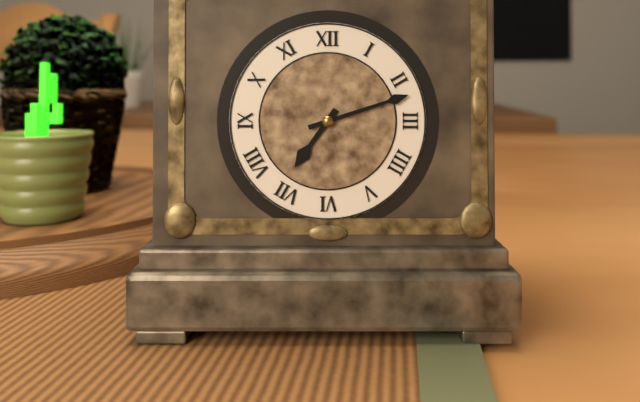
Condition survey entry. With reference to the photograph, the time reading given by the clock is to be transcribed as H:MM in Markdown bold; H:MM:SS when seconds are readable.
**7:12**
